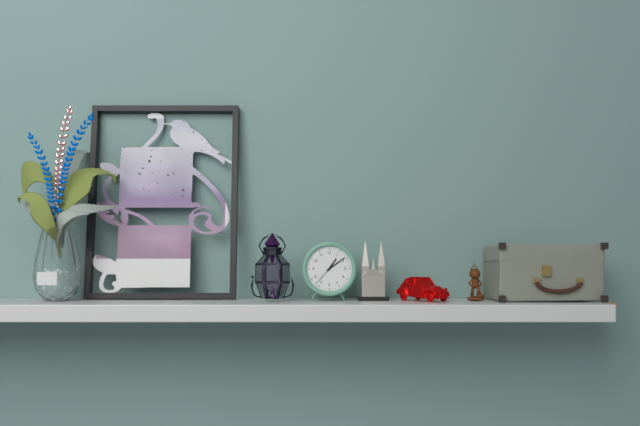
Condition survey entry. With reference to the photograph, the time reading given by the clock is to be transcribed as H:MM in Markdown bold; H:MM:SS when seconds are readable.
**1:09**
